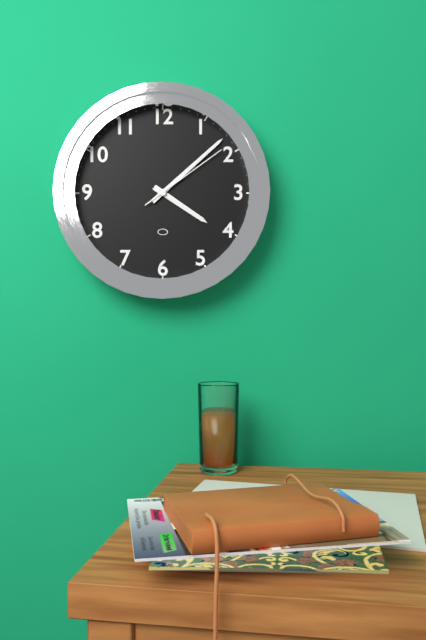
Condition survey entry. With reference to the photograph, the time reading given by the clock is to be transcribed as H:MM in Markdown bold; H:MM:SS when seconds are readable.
**4:08:09**
